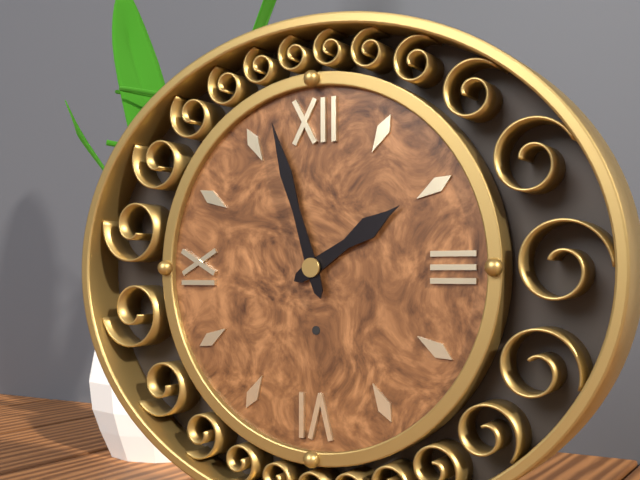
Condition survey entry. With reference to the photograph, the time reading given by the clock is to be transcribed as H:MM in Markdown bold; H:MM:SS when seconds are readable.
**1:57**
